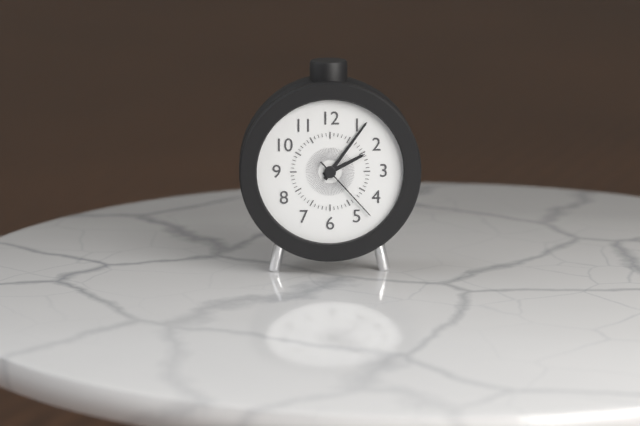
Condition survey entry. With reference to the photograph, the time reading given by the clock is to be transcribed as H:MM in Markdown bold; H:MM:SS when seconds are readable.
**2:06:23**
